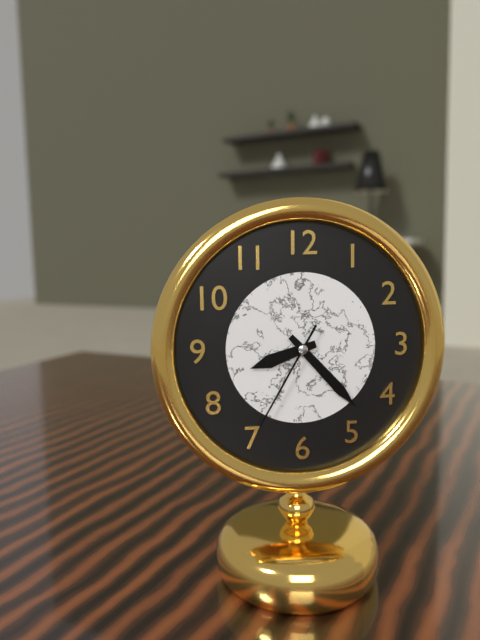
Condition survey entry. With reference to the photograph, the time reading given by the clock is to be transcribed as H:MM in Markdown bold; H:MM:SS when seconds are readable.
**8:23:35**
